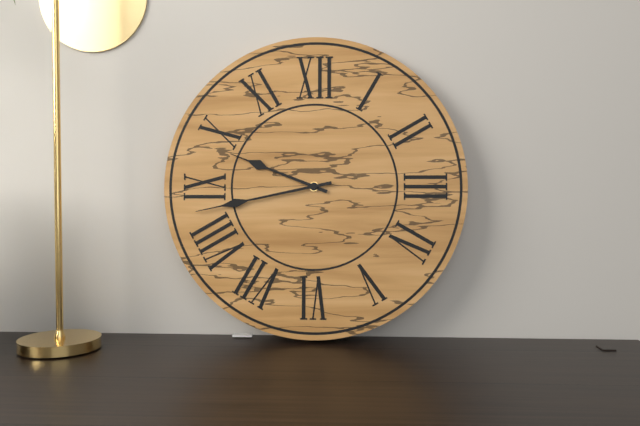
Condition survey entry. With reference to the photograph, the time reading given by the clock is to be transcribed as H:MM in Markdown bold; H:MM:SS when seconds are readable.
**9:43**
